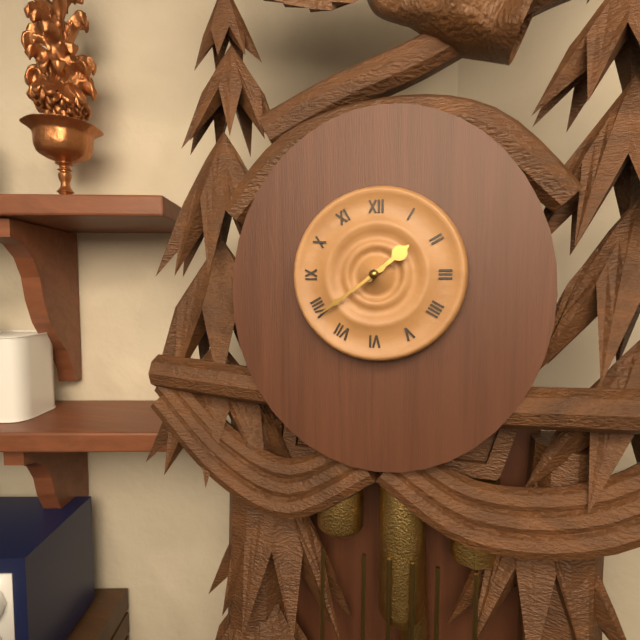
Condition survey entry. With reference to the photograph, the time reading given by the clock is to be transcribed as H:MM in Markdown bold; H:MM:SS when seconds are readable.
**1:39**
